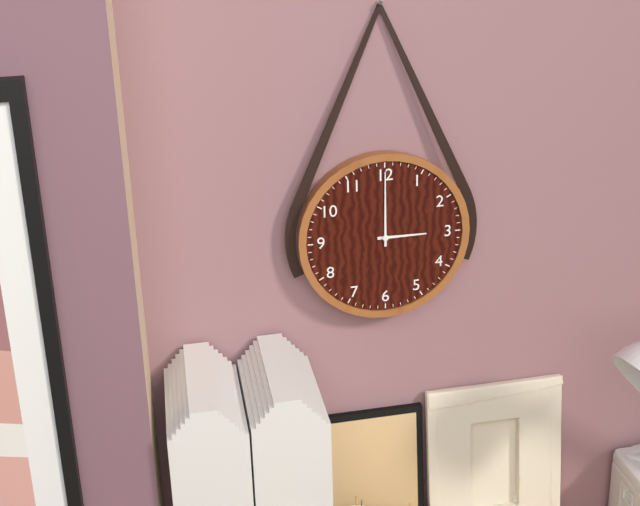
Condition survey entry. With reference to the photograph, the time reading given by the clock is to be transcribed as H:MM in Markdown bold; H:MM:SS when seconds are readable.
**3:00**
